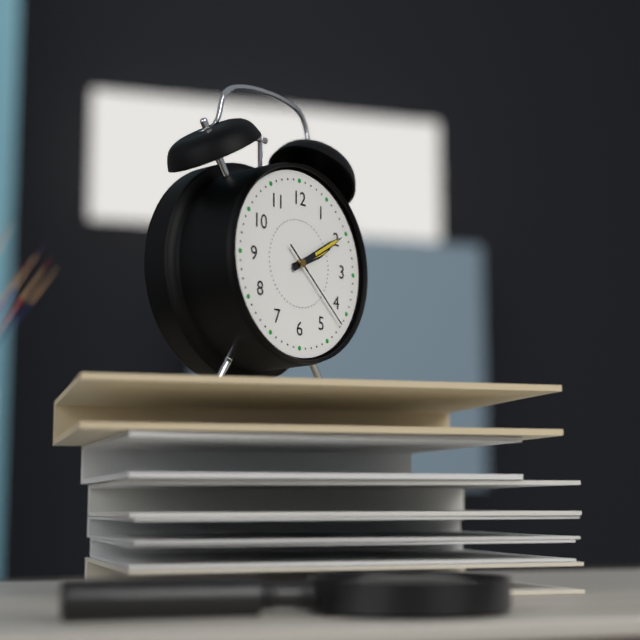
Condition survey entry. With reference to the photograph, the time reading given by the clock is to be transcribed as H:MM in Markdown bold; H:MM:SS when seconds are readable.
**2:10:22**
